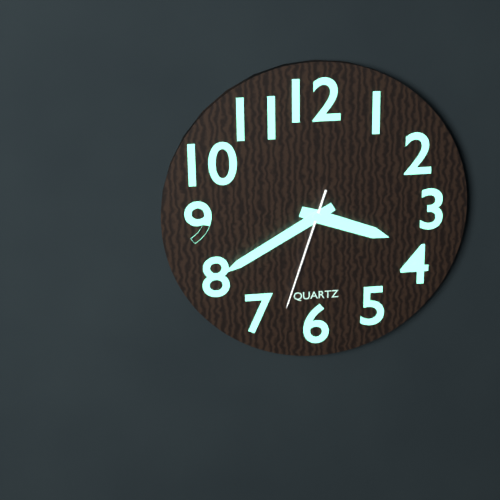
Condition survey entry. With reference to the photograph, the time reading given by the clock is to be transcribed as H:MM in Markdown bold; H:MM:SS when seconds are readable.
**3:40:33**
